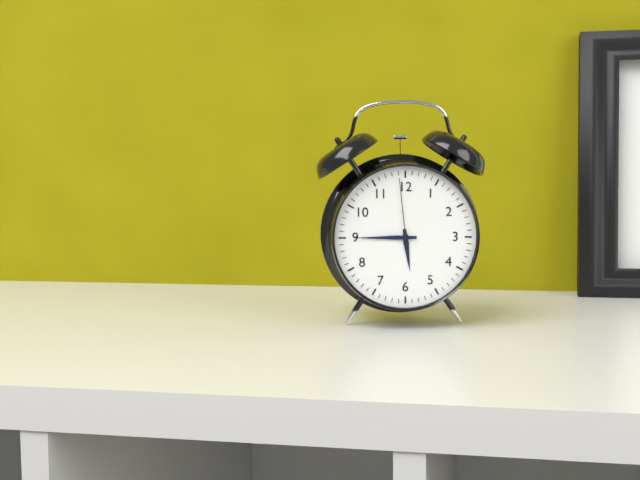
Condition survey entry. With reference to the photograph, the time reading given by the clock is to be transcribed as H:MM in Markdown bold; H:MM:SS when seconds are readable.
**5:45:59**
